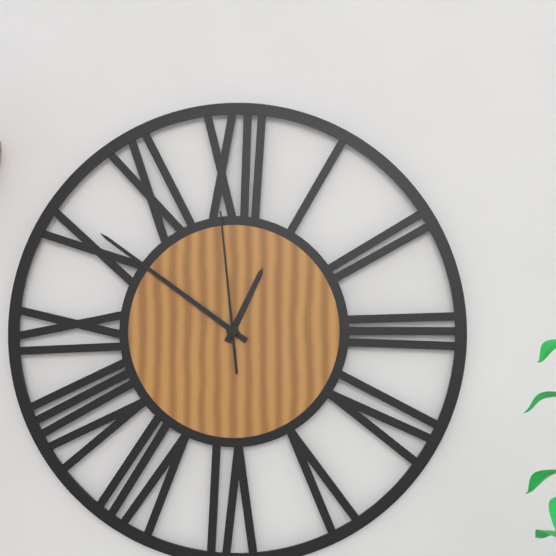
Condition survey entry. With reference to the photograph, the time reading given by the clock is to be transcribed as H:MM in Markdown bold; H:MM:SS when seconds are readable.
**12:51:59**
